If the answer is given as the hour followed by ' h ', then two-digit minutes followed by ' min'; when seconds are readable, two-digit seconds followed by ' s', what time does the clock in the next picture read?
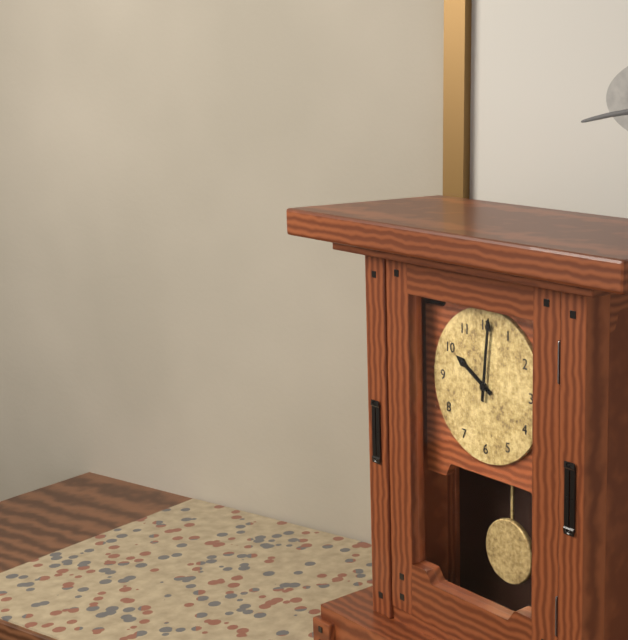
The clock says 10 h 01 min
